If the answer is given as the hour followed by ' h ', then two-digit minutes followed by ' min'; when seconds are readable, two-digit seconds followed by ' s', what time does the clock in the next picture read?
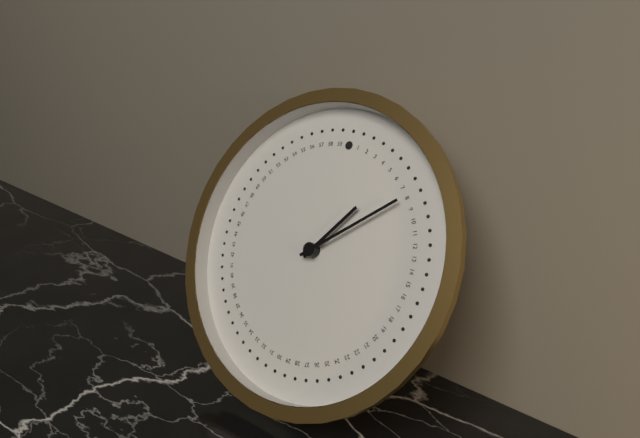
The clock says 1 h 08 min
